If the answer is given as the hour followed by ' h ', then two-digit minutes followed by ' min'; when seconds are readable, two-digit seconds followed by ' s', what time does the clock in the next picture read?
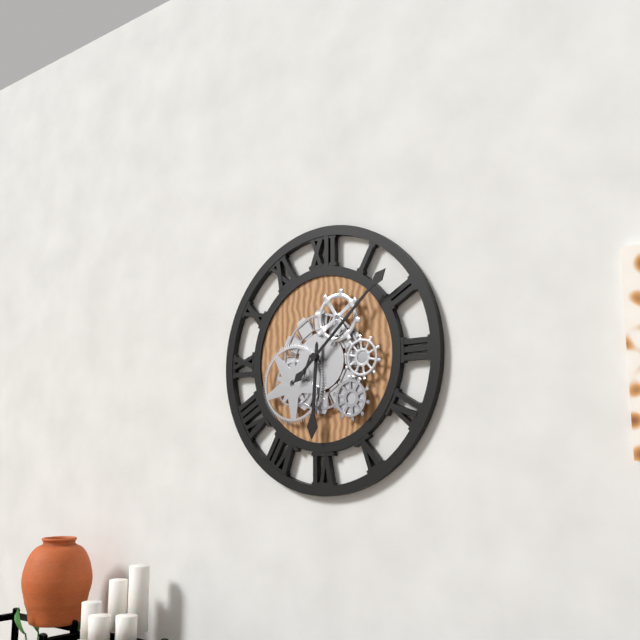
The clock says 6 h 08 min
